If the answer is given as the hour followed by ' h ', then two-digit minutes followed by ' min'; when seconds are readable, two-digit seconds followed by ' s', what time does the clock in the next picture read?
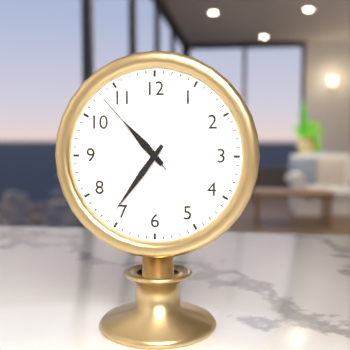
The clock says 10 h 36 min 53 s
